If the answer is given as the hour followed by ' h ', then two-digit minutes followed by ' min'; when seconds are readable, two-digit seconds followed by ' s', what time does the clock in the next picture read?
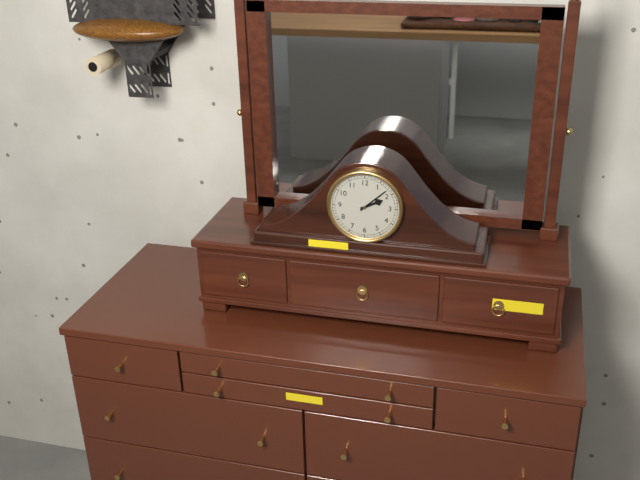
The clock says 2 h 08 min
